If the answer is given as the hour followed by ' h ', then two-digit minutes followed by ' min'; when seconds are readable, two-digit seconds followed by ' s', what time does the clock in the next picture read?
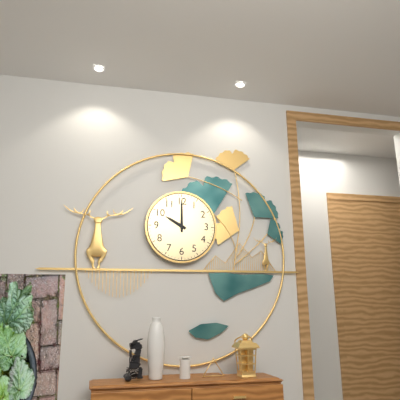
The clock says 10 h 00 min
